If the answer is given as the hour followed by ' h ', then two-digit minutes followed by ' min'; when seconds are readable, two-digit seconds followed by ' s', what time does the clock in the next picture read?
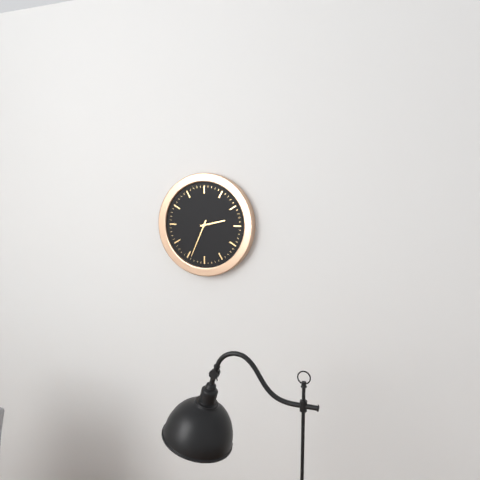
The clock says 2 h 34 min
